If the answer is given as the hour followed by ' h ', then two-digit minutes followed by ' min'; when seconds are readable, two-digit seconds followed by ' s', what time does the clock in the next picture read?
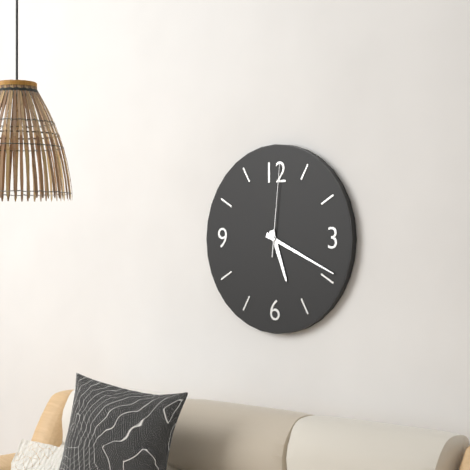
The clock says 5 h 19 min 01 s
